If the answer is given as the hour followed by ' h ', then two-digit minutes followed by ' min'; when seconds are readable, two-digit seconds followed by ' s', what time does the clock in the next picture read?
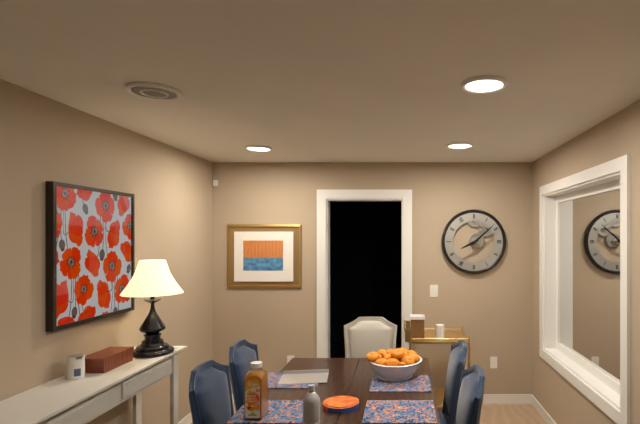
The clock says 8 h 08 min
